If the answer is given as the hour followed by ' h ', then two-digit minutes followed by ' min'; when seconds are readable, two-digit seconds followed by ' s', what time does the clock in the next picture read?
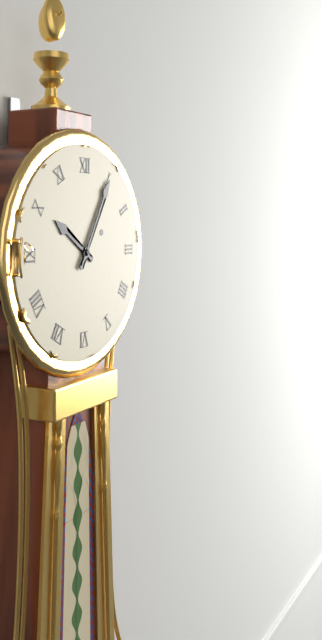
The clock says 10 h 05 min
